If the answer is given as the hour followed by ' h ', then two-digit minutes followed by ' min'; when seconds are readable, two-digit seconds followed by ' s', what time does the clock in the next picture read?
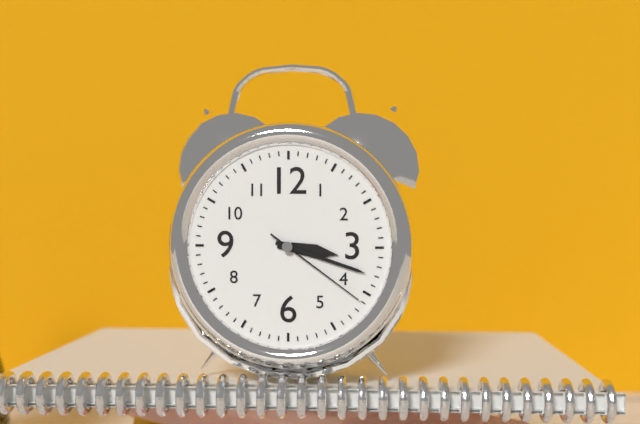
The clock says 3 h 18 min 21 s
